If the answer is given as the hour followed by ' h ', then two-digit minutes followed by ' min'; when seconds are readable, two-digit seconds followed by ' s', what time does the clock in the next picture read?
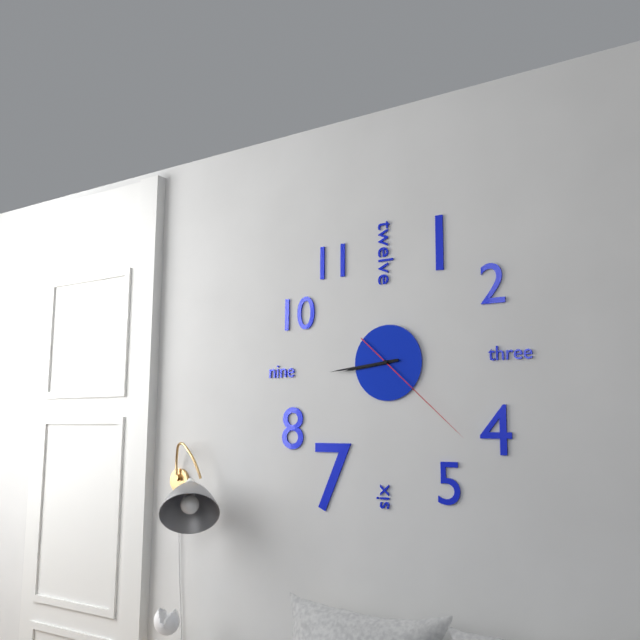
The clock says 8 h 44 min 22 s
